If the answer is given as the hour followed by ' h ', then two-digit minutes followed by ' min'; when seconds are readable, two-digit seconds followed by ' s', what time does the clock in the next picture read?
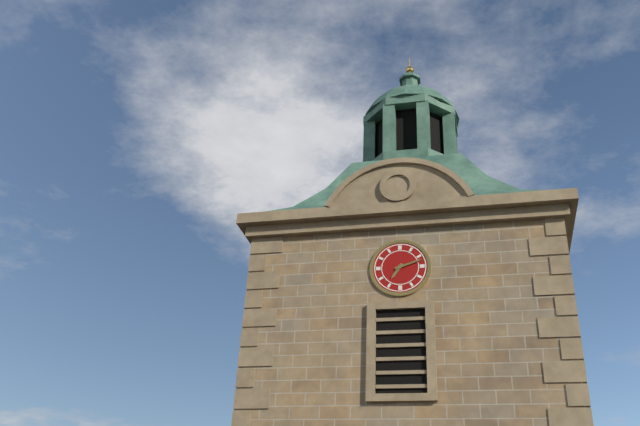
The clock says 7 h 12 min
